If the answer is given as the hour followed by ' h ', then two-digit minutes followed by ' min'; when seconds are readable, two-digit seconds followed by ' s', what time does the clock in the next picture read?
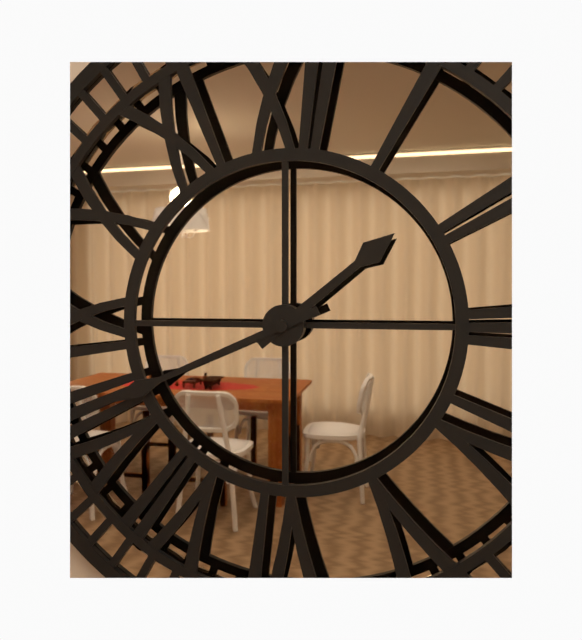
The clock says 1 h 41 min
